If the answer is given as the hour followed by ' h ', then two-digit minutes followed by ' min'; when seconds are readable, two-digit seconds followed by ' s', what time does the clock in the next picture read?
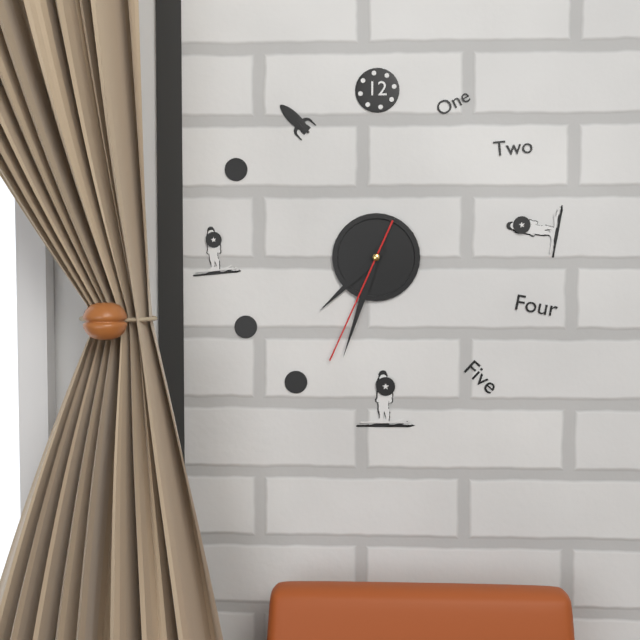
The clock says 7 h 33 min 34 s
